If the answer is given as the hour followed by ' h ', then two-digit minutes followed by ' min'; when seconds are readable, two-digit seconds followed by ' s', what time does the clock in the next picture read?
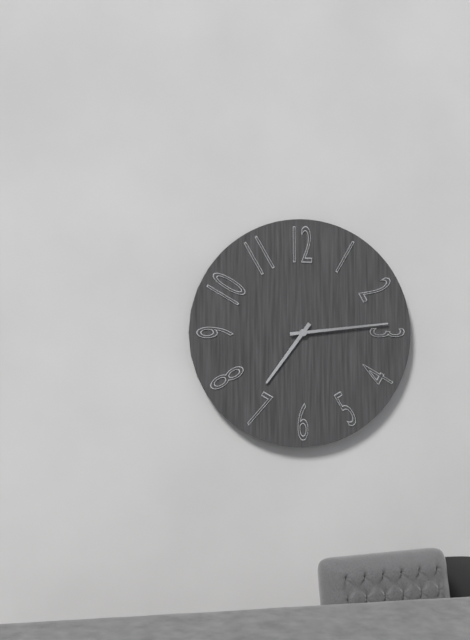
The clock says 7 h 14 min
